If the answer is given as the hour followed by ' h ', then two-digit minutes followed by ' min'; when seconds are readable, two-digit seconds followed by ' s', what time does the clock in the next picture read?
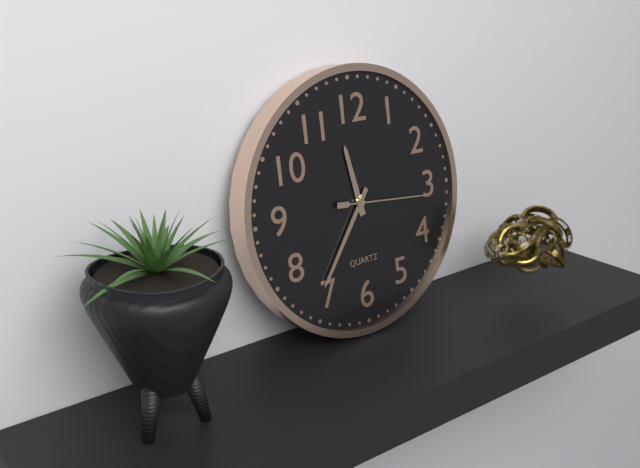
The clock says 11 h 36 min 16 s
